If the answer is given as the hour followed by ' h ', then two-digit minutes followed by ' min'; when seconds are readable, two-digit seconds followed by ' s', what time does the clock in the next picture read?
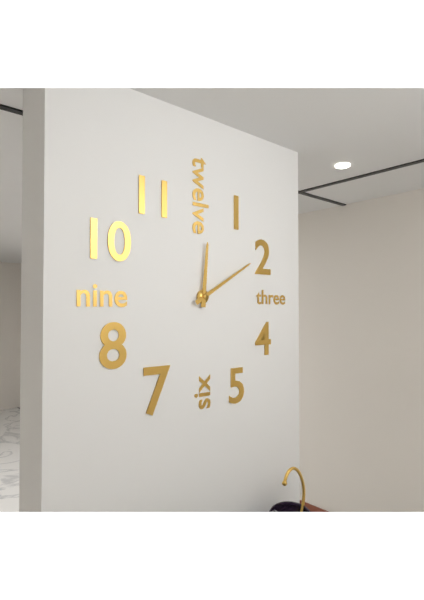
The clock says 12 h 10 min
